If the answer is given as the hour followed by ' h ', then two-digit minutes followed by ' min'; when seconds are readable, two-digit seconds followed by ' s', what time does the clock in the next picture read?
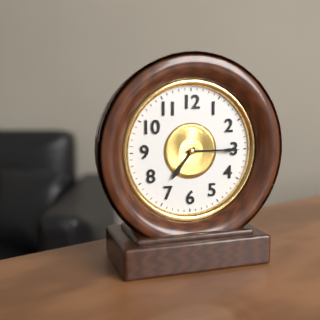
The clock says 7 h 15 min
